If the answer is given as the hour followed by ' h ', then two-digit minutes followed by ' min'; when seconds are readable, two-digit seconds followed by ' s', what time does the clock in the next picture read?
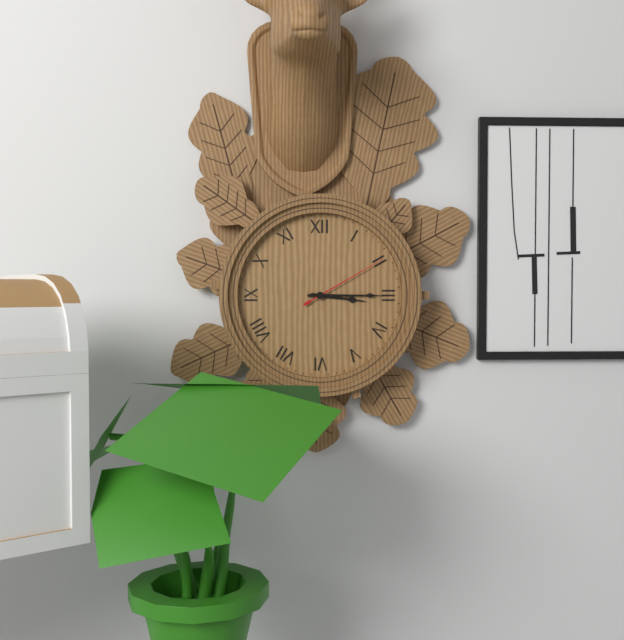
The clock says 3 h 15 min 10 s
